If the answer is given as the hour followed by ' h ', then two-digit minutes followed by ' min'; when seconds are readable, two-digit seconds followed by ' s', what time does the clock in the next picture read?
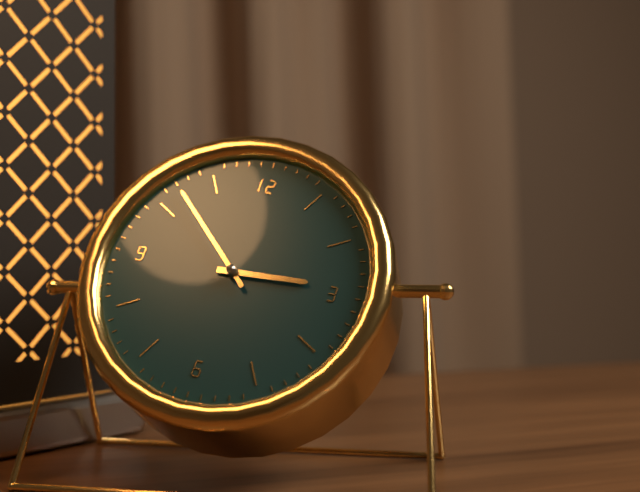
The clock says 2 h 52 min
